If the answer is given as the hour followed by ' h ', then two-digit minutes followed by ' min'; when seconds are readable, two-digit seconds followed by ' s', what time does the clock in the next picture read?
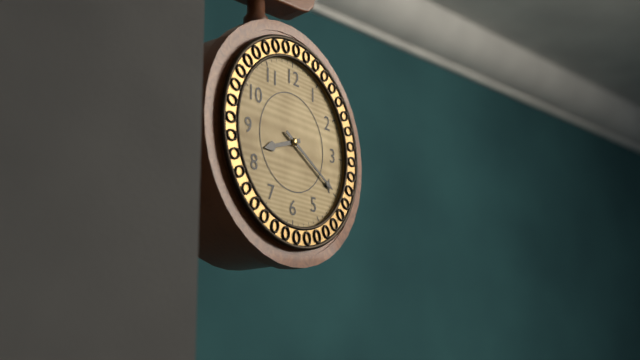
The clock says 8 h 20 min
